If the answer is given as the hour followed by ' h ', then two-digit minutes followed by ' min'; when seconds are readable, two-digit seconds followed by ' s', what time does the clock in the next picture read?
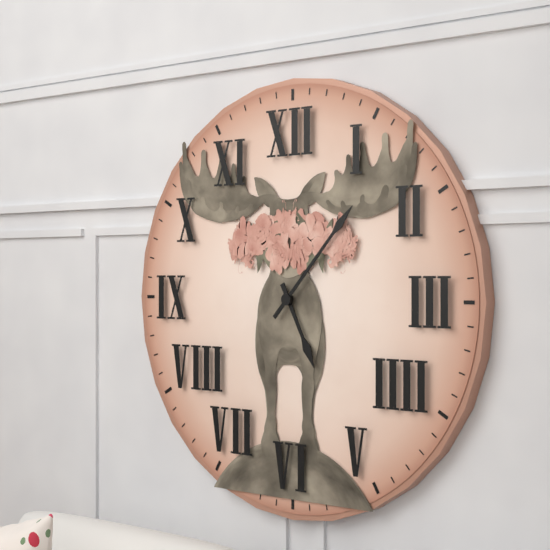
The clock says 5 h 07 min
